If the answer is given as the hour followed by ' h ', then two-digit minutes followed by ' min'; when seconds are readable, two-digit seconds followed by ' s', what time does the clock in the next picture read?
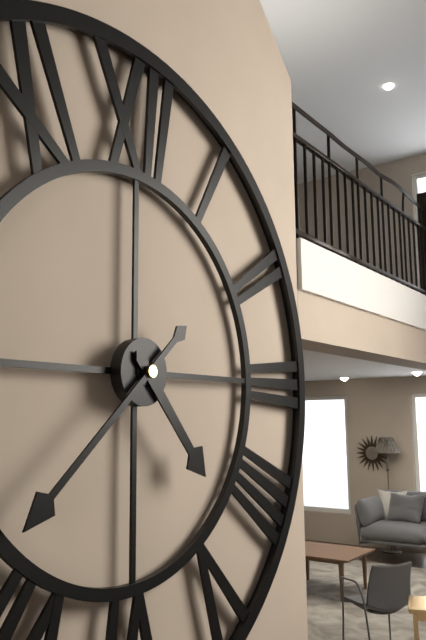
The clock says 4 h 38 min
